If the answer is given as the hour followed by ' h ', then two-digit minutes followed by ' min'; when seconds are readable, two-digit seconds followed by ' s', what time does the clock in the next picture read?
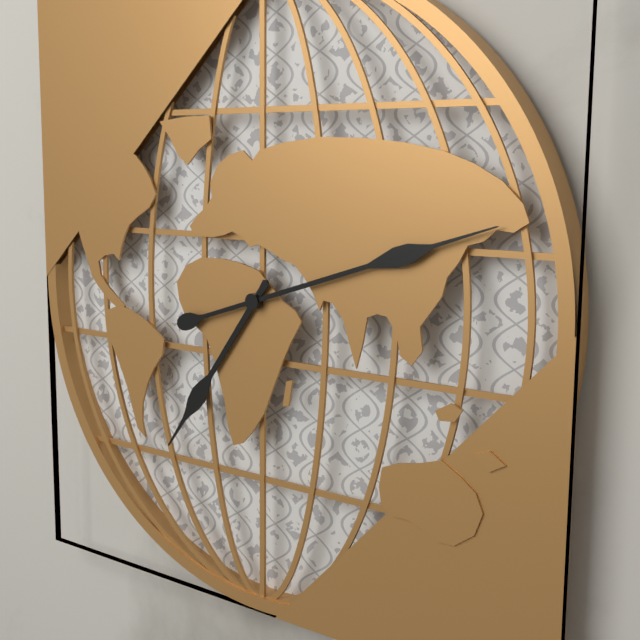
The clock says 7 h 12 min
